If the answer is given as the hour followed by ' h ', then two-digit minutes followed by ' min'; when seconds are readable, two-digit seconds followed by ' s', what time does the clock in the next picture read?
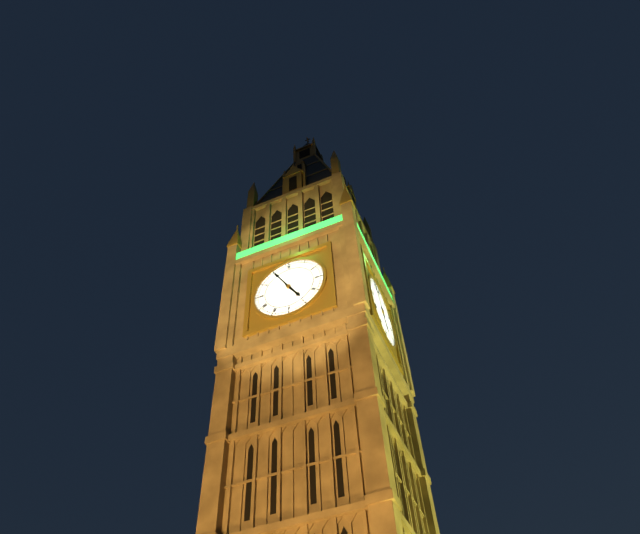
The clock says 4 h 55 min
